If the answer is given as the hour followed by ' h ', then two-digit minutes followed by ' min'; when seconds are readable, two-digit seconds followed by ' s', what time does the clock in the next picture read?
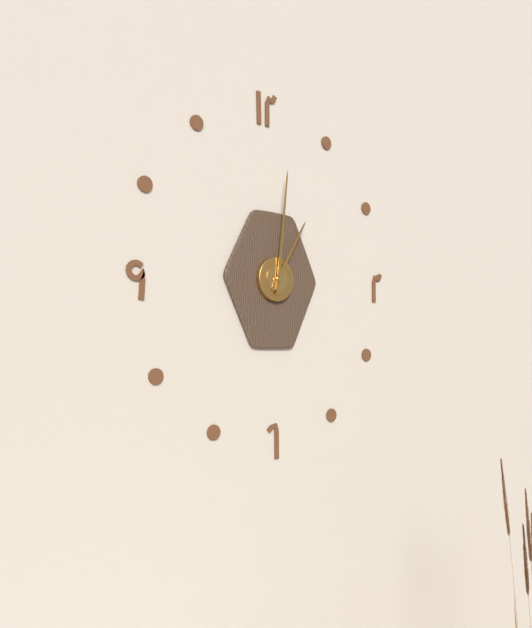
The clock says 1 h 01 min
